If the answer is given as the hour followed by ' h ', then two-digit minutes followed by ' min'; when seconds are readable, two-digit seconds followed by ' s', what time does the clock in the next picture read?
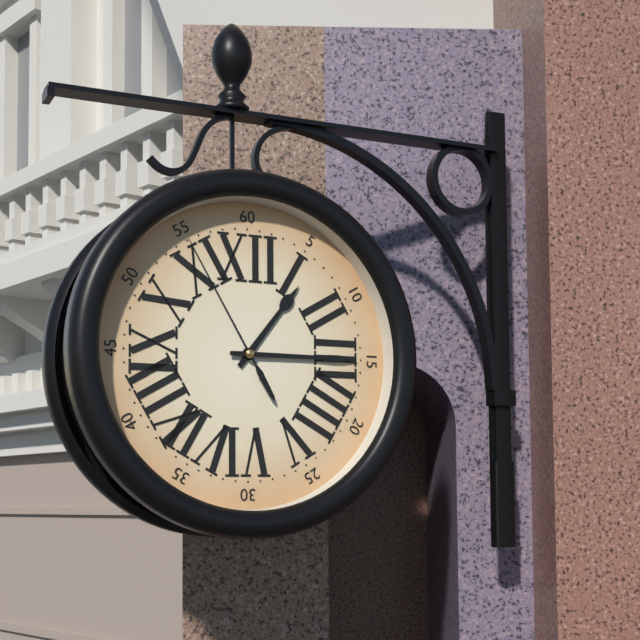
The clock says 1 h 15 min 55 s
